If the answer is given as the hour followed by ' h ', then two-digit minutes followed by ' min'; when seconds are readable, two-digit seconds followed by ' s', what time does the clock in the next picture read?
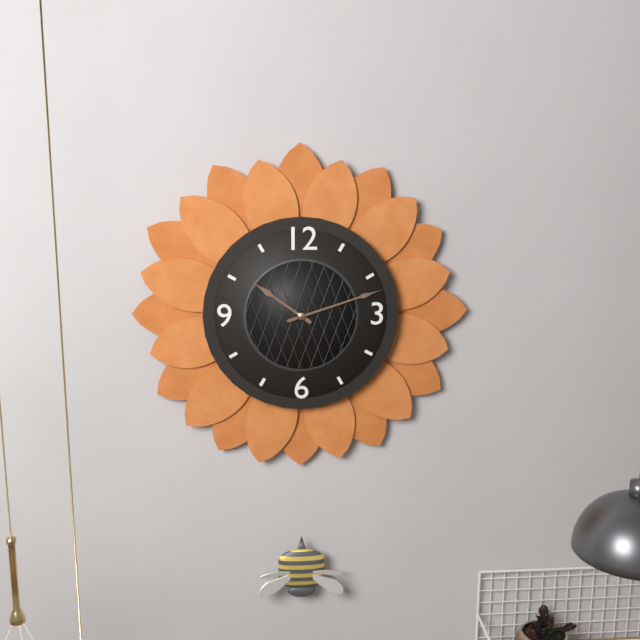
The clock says 10 h 12 min
